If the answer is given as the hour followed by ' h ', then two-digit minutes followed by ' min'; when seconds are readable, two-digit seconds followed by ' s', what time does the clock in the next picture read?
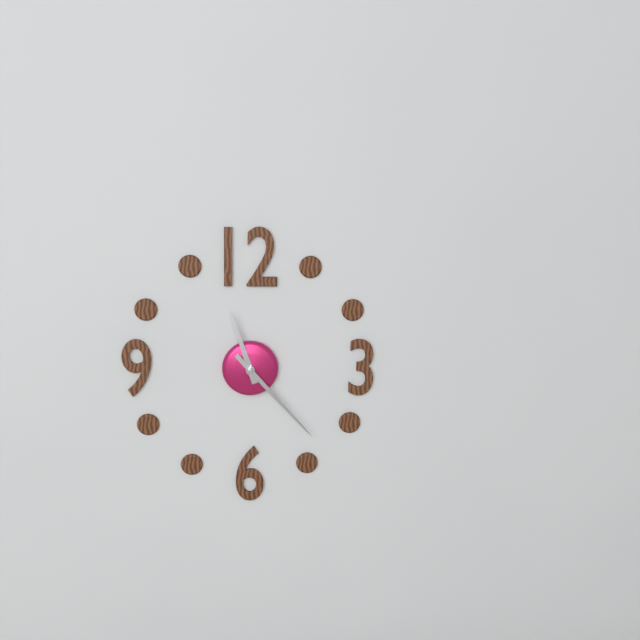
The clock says 11 h 23 min
